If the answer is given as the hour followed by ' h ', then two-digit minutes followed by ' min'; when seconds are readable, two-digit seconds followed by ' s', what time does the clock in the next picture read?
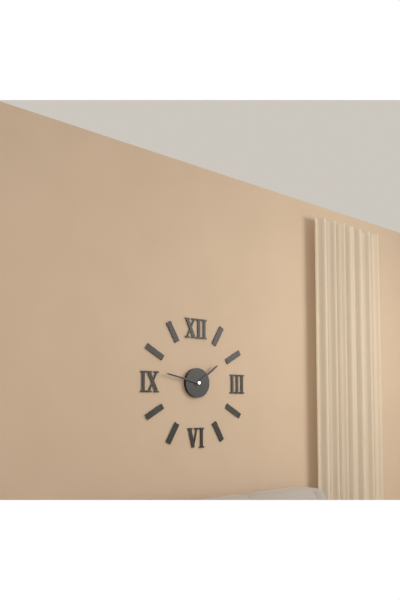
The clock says 1 h 47 min
